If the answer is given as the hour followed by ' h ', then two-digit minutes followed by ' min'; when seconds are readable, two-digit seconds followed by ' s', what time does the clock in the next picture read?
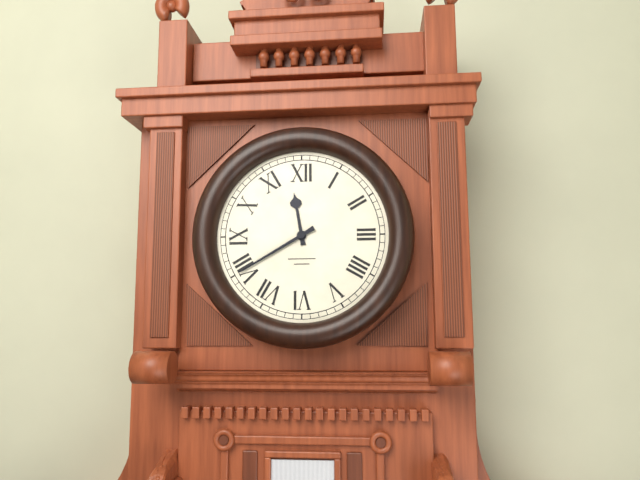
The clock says 11 h 40 min
